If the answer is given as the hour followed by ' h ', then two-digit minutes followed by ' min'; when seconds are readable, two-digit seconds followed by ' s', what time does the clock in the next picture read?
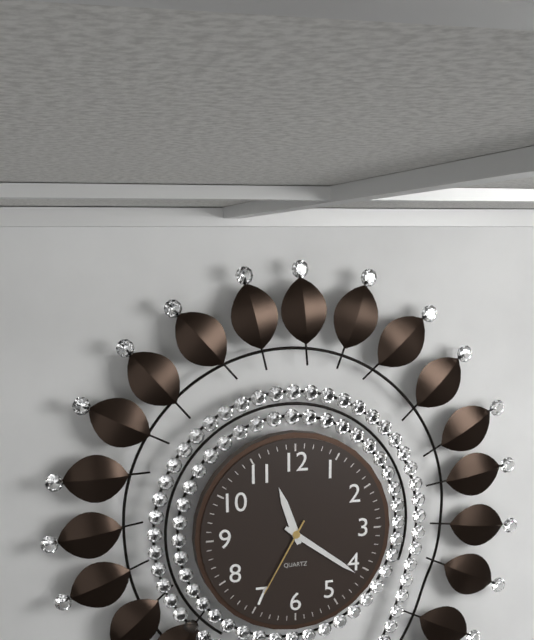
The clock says 11 h 21 min 35 s
